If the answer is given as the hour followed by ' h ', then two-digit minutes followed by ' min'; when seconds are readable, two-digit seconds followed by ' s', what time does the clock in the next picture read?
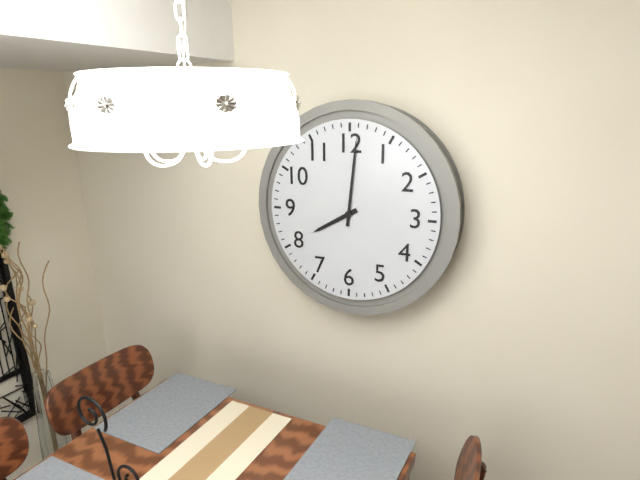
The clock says 8 h 01 min
